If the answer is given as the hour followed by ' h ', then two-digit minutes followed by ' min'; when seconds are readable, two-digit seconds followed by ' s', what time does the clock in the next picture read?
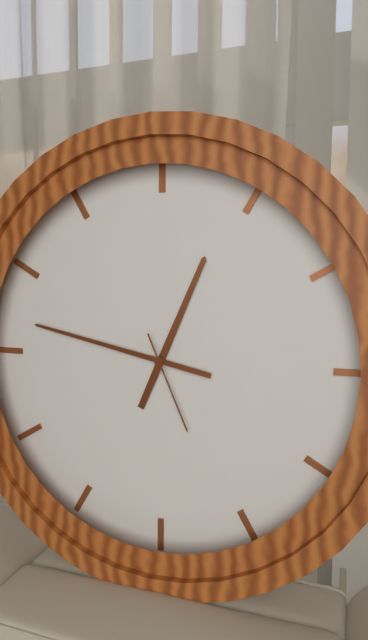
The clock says 12 h 47 min 26 s
